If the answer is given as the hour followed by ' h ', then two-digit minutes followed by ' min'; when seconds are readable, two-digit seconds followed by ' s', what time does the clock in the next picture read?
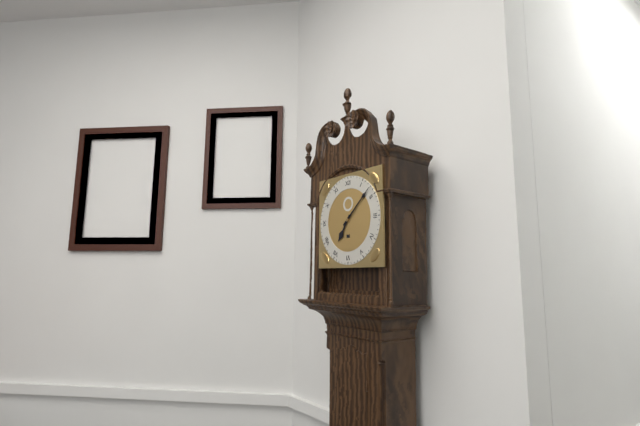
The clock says 7 h 08 min
